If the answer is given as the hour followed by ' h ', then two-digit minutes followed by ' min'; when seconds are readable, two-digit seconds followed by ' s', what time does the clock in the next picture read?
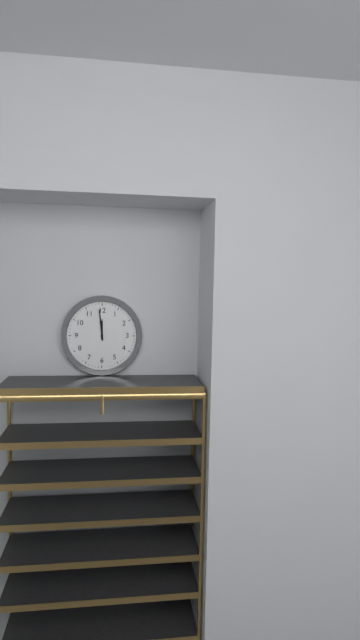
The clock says 11 h 59 min
